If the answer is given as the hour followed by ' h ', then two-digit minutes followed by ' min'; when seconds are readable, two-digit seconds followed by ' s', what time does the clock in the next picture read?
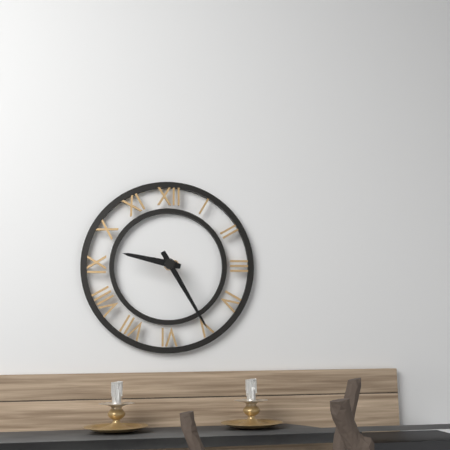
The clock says 9 h 25 min
